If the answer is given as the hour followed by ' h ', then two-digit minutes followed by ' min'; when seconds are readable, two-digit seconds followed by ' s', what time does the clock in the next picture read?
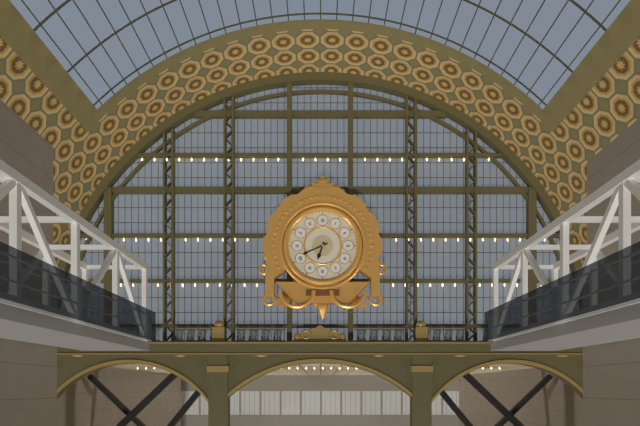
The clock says 6 h 41 min
